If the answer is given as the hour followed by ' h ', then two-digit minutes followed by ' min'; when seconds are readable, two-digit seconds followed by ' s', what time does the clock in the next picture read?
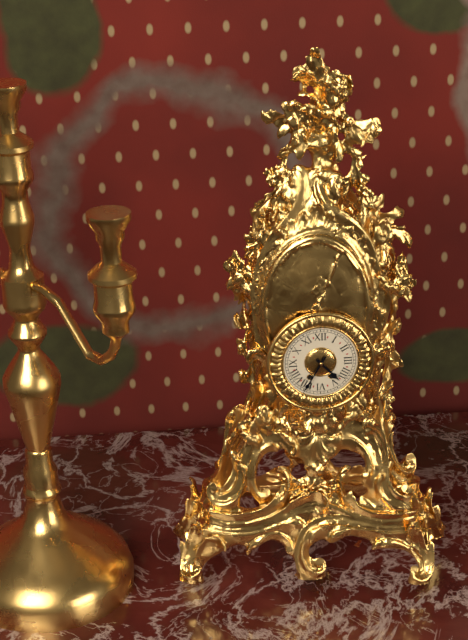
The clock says 4 h 35 min
